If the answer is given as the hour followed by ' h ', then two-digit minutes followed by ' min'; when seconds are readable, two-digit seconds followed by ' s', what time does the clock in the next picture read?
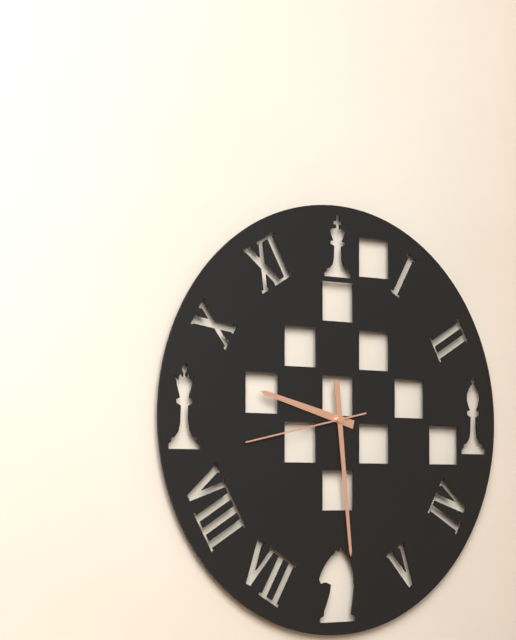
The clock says 9 h 29 min 43 s
